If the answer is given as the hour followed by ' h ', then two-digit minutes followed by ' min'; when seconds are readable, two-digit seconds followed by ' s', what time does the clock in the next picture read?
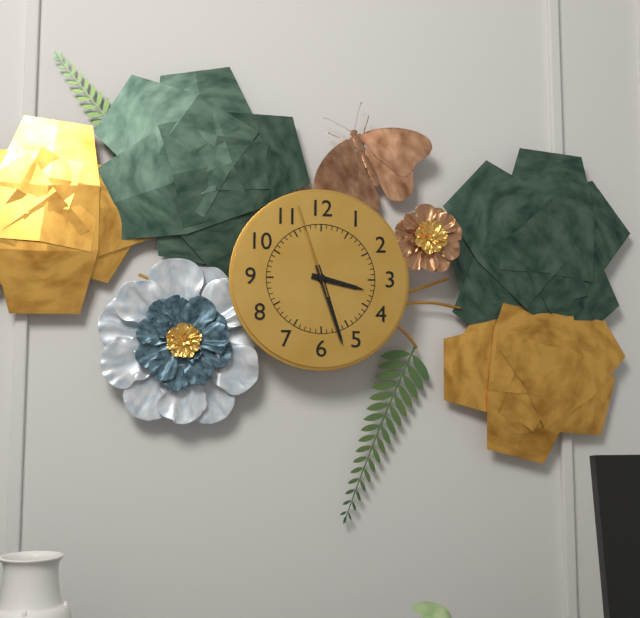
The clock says 3 h 27 min 57 s
